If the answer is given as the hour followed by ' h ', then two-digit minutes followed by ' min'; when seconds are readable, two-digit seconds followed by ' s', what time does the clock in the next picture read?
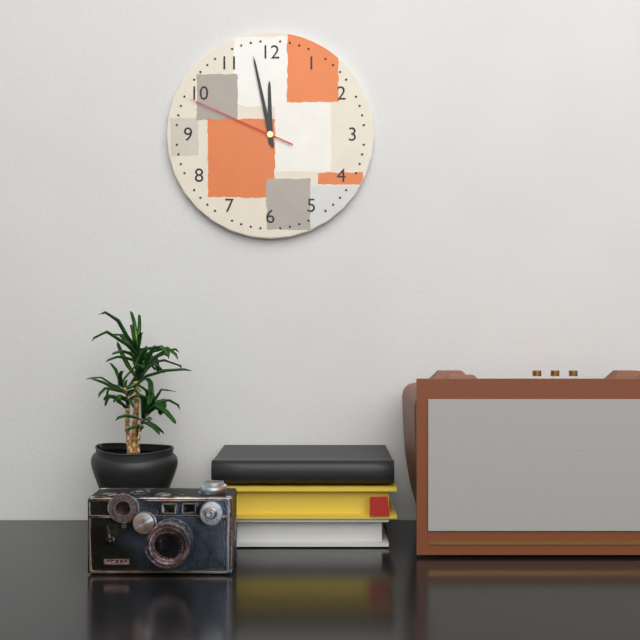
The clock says 11 h 58 min 49 s
